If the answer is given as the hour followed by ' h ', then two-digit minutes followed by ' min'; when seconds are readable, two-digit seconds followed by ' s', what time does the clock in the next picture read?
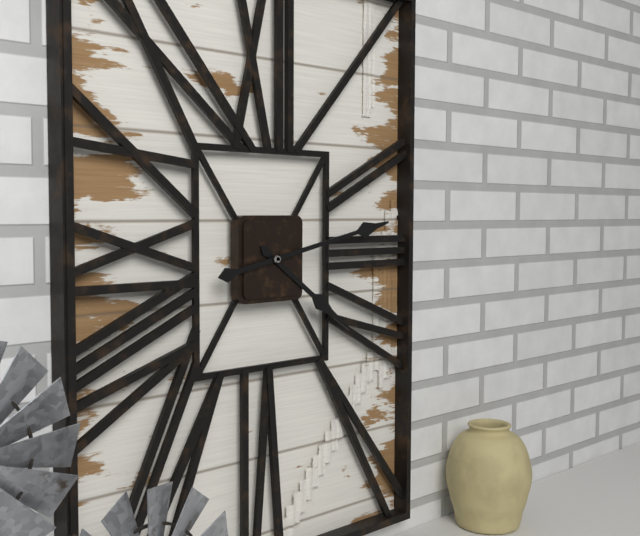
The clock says 4 h 13 min
